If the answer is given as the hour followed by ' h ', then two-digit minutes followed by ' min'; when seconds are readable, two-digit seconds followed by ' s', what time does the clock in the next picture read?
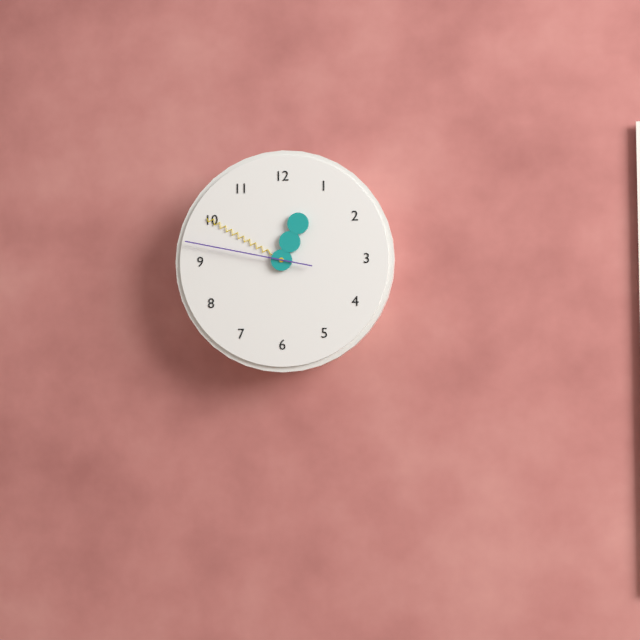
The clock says 12 h 50 min 47 s
